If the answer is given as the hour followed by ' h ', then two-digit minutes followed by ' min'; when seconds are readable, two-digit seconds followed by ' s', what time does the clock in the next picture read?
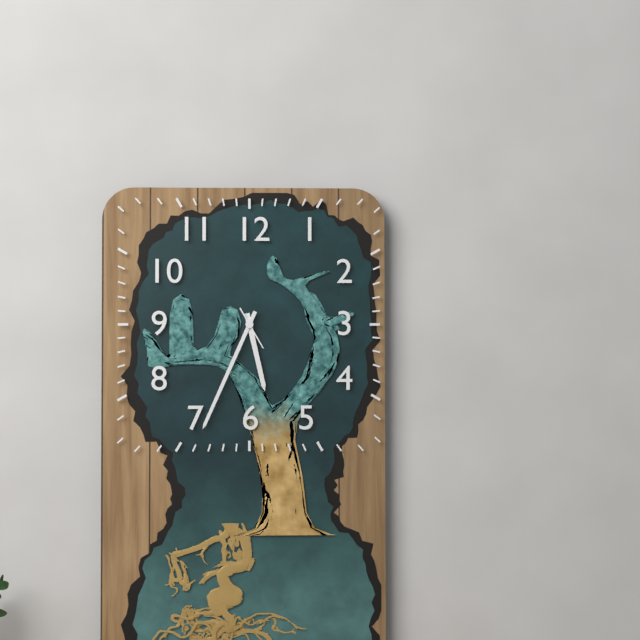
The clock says 5 h 34 min
